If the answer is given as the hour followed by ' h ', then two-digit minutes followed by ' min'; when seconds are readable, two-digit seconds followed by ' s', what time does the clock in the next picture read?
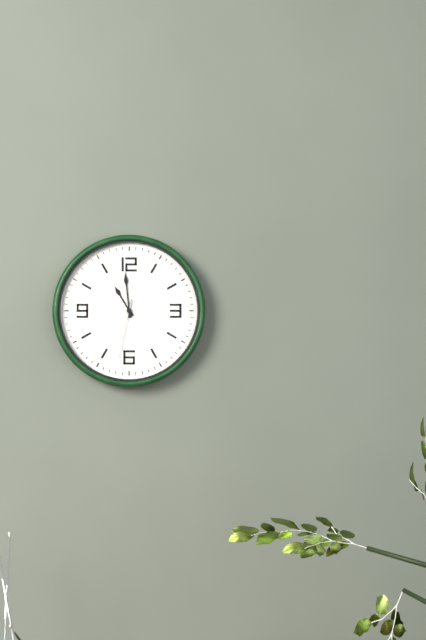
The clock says 10 h 59 min 32 s
